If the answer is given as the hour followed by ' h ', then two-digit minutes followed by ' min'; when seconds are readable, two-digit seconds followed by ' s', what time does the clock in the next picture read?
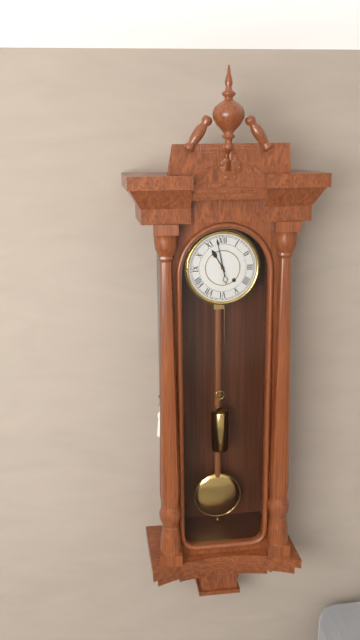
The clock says 10 h 58 min
